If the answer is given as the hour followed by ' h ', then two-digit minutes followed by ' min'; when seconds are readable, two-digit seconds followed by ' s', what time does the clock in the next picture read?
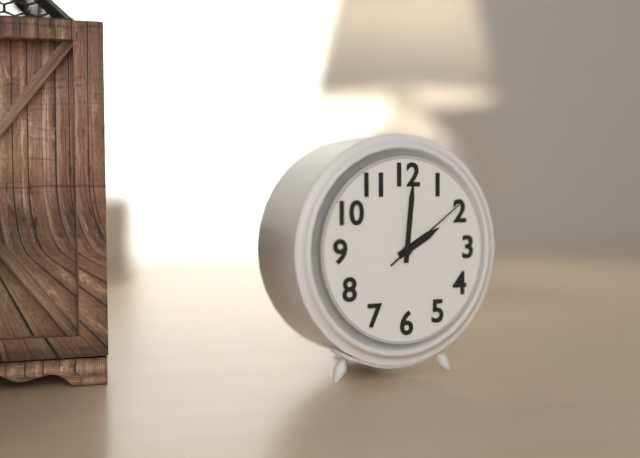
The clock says 2 h 01 min 09 s
